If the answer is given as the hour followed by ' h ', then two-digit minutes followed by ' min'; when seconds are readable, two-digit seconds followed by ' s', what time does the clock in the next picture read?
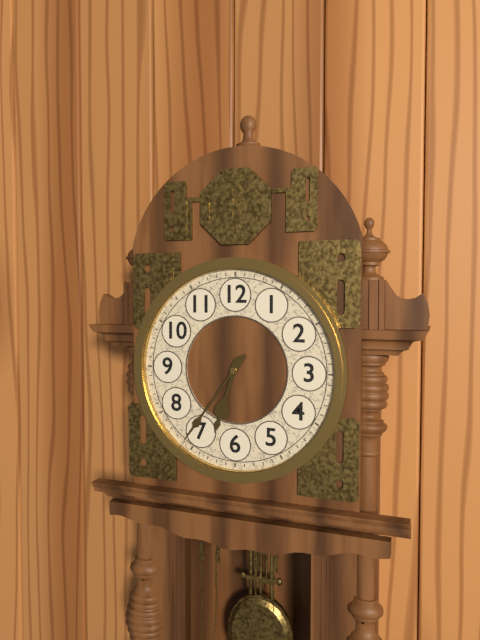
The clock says 6 h 36 min
